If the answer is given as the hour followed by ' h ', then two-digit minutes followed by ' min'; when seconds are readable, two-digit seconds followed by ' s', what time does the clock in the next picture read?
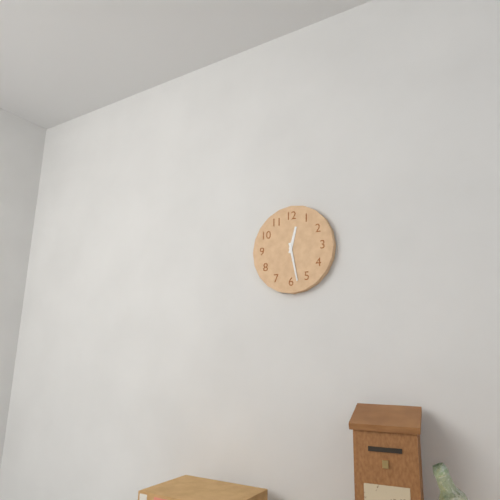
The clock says 12 h 28 min
